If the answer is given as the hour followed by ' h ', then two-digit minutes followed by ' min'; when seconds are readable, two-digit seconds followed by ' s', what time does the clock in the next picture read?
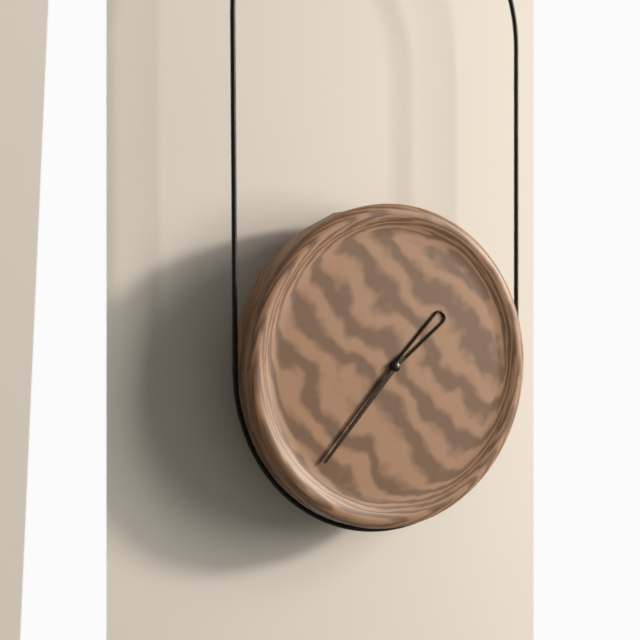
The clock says 1 h 37 min
